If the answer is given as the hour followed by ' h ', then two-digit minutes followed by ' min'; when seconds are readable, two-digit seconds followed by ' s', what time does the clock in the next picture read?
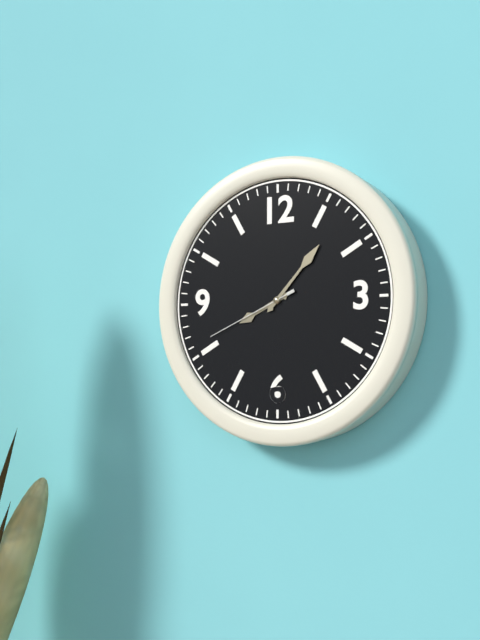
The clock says 8 h 07 min 41 s
